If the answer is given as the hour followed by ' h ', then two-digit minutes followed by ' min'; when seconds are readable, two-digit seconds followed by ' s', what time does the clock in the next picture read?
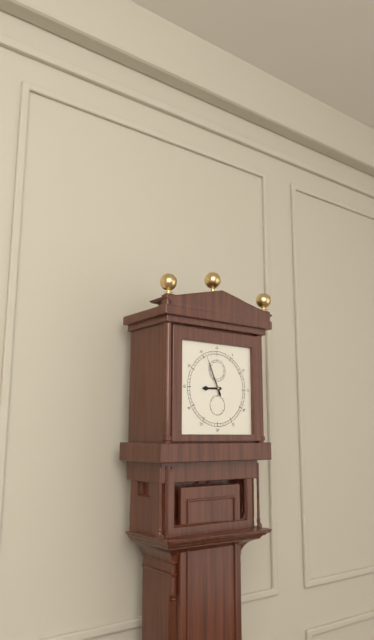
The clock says 8 h 56 min
